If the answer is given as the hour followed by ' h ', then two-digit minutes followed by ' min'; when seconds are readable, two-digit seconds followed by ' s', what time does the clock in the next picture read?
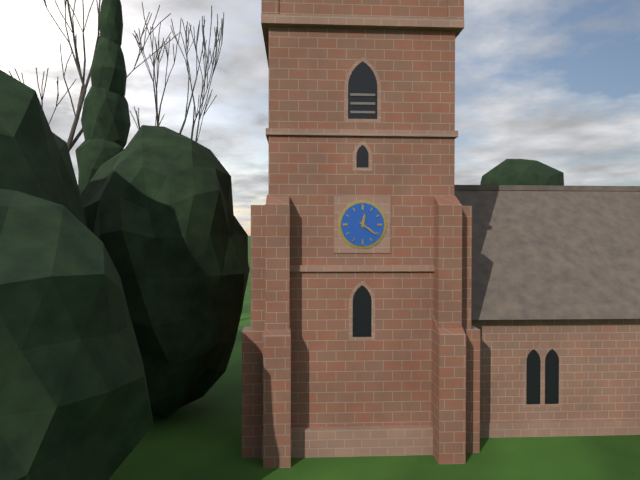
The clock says 12 h 21 min
